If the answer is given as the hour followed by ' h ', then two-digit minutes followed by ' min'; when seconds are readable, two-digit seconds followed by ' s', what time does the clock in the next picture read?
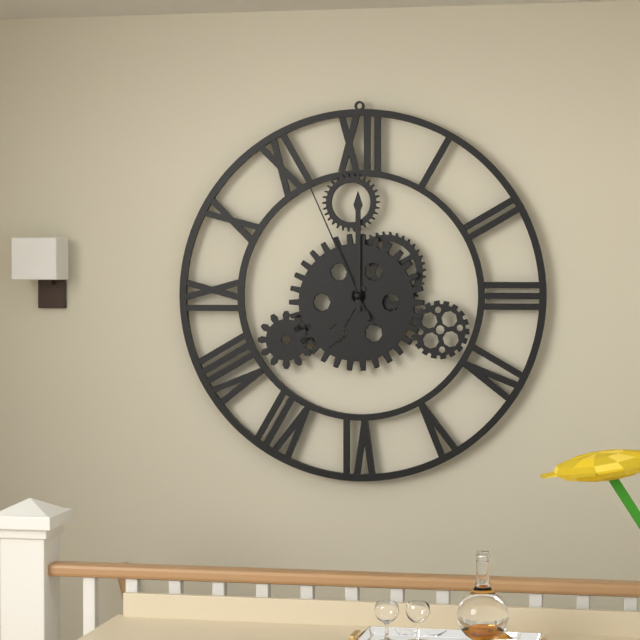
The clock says 7 h 00 min 56 s
